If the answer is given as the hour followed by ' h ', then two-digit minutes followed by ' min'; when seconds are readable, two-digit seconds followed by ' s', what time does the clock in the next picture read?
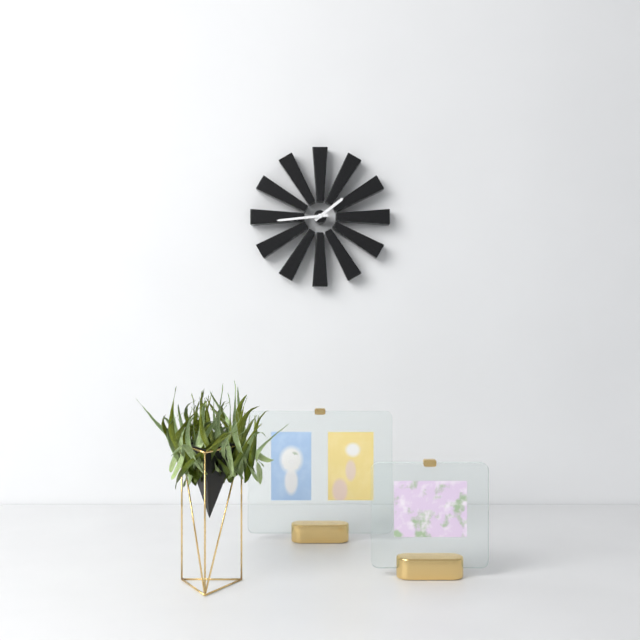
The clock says 1 h 44 min
